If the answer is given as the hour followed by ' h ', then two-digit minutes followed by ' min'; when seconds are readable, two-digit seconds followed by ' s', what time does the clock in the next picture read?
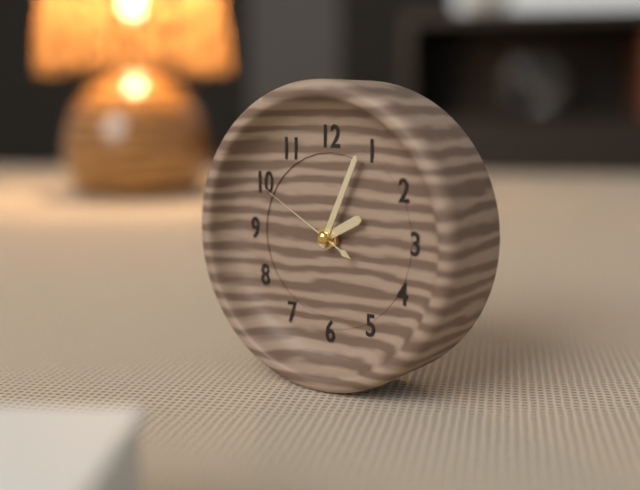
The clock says 2 h 04 min 50 s
